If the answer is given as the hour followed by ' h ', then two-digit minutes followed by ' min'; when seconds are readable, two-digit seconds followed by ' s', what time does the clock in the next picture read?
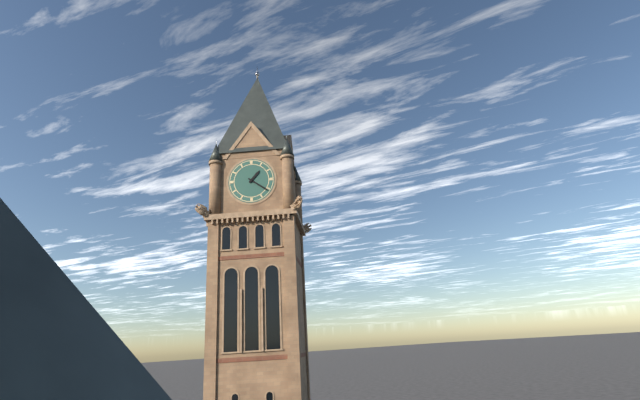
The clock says 1 h 21 min
